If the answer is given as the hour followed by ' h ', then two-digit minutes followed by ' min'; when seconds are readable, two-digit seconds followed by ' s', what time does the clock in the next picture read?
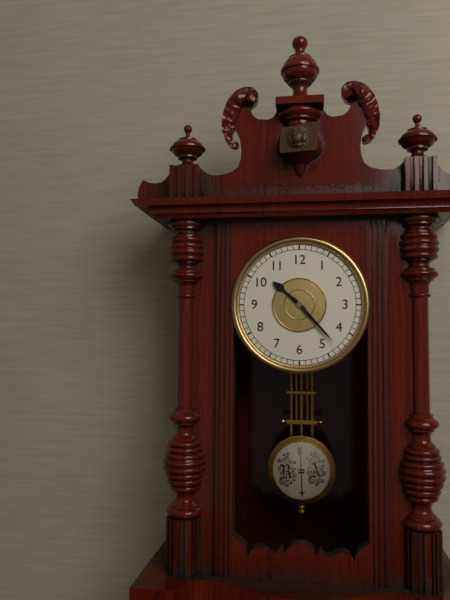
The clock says 10 h 23 min
